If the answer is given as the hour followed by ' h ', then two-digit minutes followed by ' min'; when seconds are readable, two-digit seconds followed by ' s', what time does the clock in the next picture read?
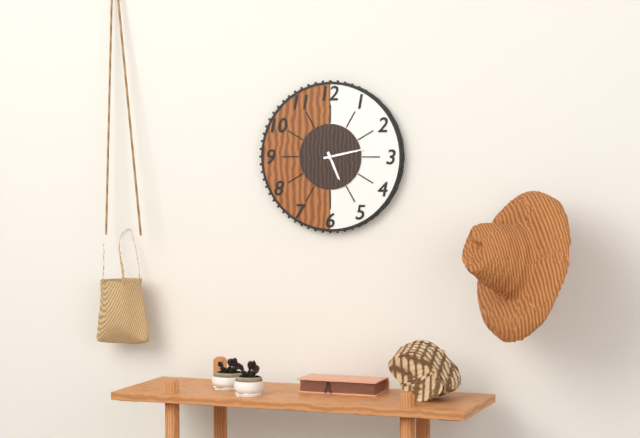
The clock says 5 h 13 min
